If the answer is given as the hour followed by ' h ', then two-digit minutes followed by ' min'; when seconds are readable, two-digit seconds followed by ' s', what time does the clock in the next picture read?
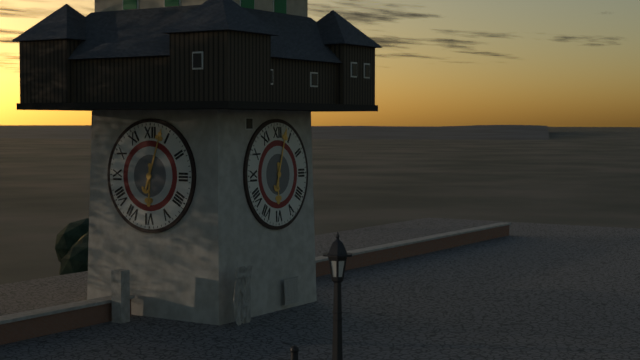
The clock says 6 h 03 min
